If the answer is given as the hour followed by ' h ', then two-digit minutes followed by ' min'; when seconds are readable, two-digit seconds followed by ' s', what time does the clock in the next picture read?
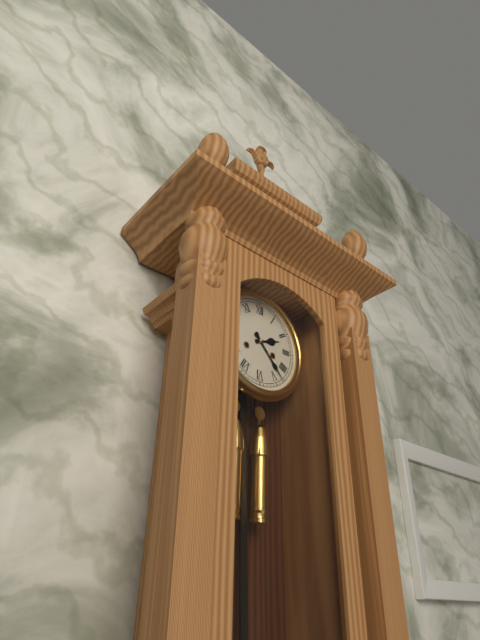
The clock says 2 h 23 min
